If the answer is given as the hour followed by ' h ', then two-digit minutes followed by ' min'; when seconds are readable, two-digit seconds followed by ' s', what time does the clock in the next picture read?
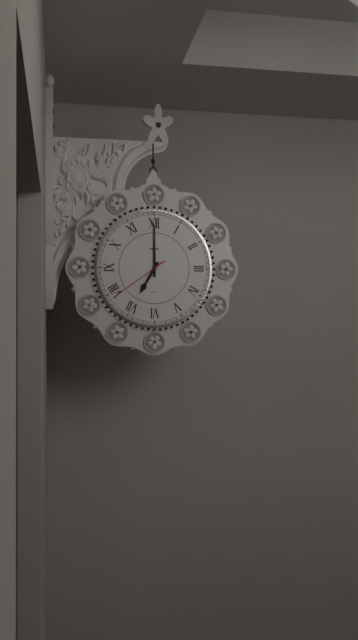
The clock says 7 h 00 min 39 s
